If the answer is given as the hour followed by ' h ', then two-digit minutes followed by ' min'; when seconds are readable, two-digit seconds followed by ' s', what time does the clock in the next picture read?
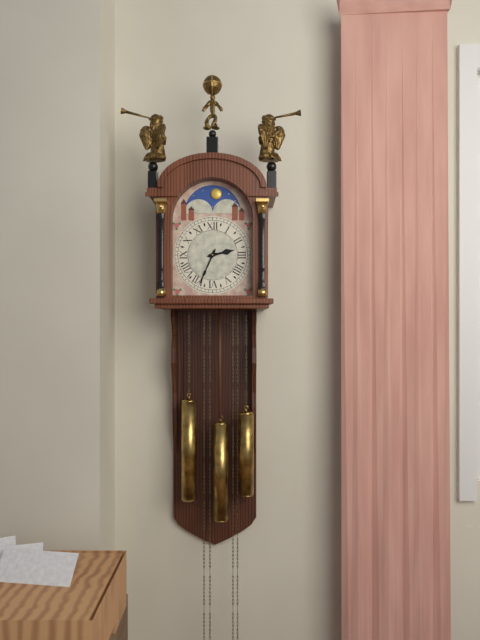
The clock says 2 h 34 min
